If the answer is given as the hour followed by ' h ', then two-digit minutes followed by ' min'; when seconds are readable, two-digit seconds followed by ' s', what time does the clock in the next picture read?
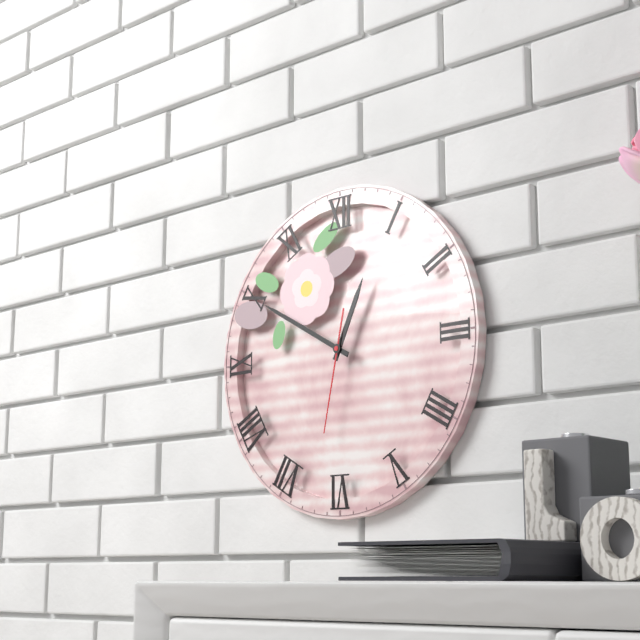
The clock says 12 h 50 min 32 s
